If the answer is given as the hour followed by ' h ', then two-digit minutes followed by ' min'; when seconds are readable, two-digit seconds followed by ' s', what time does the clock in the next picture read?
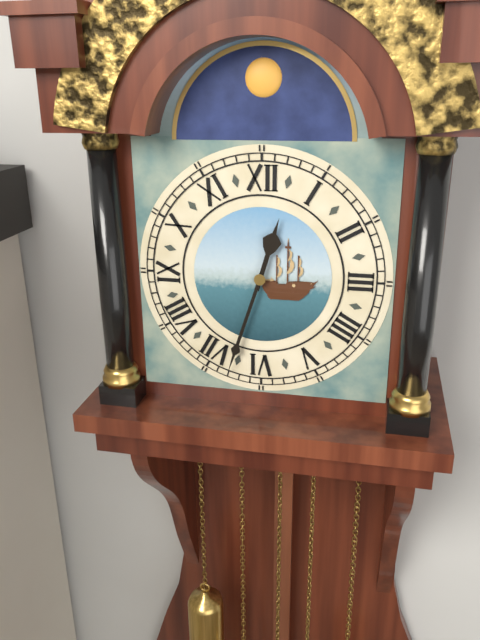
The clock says 12 h 33 min
